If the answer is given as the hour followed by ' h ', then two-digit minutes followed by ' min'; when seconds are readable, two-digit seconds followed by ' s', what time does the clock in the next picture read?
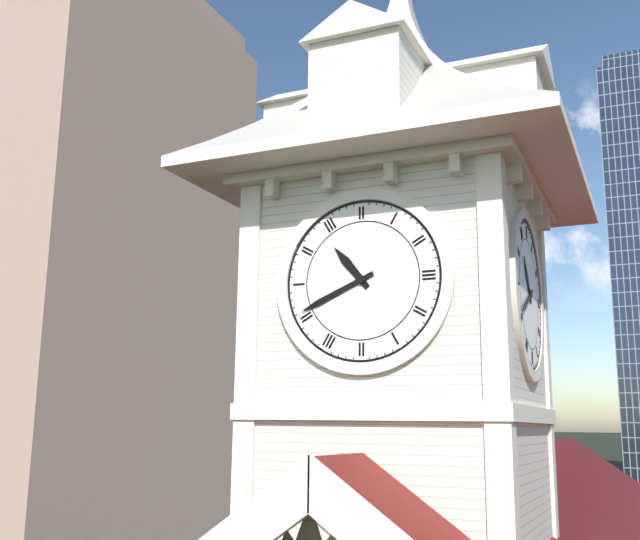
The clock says 10 h 41 min
